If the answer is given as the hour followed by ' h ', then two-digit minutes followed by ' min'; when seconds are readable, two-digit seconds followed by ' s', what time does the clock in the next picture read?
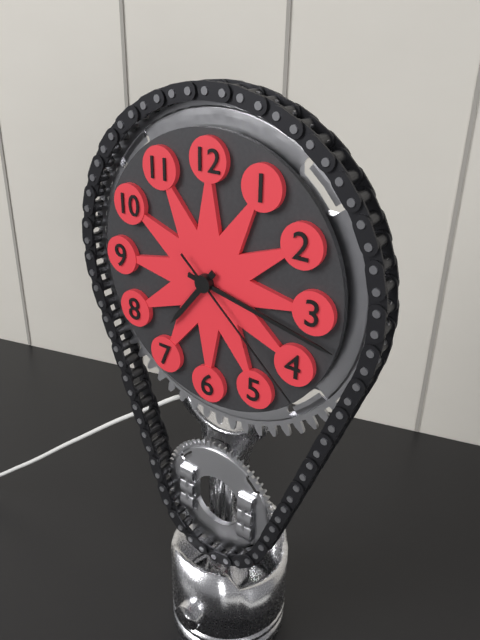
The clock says 7 h 17 min 22 s
